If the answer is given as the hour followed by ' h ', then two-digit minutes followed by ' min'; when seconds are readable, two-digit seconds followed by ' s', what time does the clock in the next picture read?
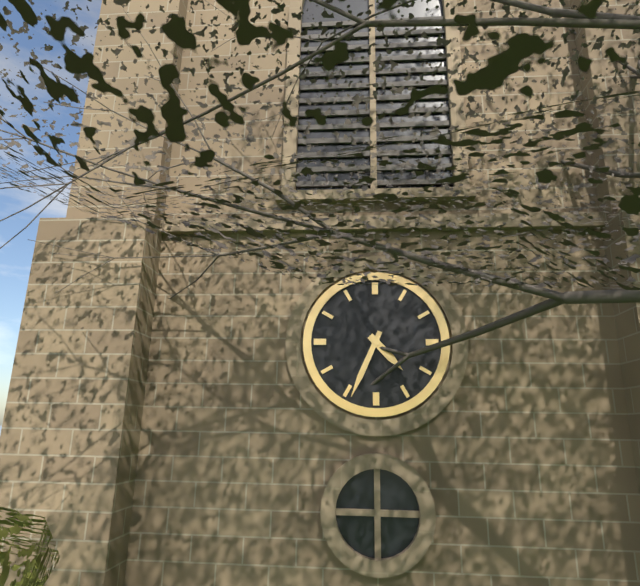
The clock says 4 h 34 min
